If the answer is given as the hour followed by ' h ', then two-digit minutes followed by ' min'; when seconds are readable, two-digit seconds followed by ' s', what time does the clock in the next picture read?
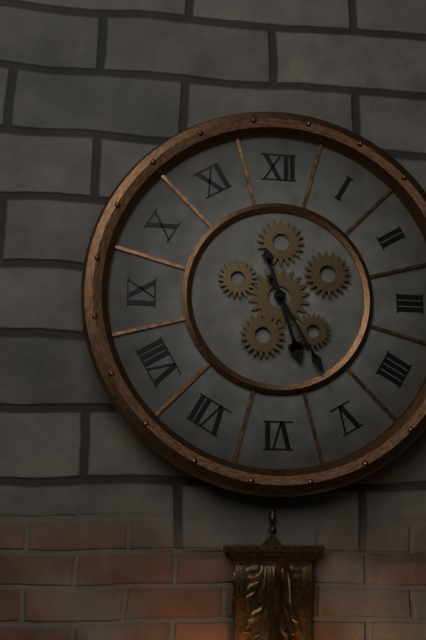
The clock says 5 h 25 min
